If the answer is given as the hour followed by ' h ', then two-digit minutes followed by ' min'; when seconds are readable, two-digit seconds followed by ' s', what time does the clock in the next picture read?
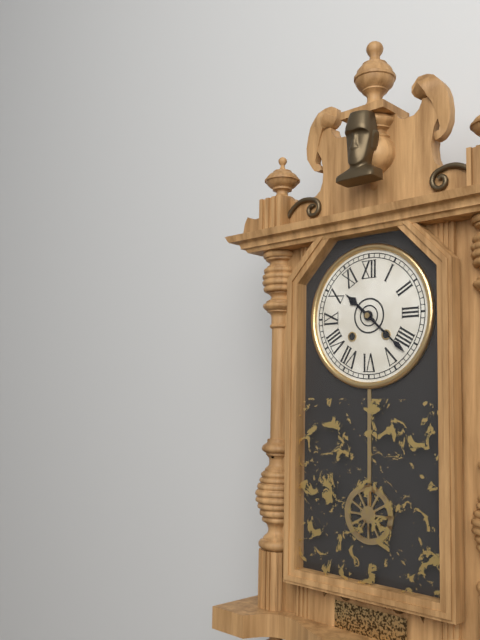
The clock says 10 h 22 min
